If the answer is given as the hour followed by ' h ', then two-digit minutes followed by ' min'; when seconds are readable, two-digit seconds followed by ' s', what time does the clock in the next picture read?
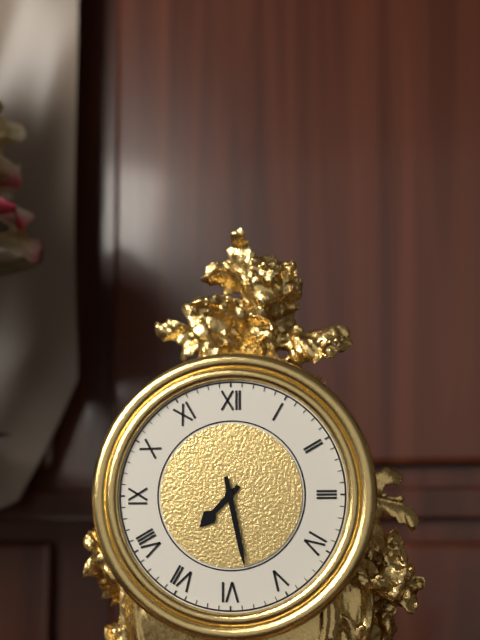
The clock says 7 h 28 min
